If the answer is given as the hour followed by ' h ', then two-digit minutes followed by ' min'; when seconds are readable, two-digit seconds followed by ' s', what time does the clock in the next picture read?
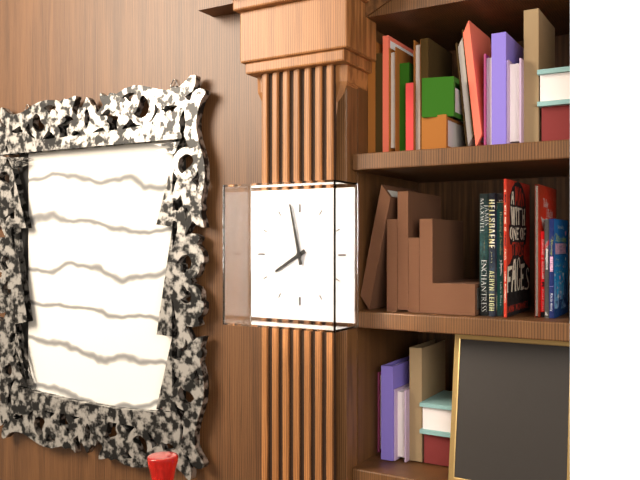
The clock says 7 h 58 min
